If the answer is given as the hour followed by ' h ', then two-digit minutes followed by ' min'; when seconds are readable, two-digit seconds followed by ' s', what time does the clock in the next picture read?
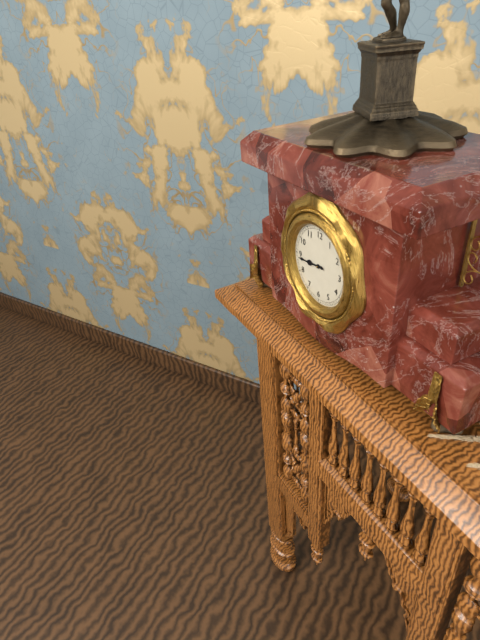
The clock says 8 h 44 min
